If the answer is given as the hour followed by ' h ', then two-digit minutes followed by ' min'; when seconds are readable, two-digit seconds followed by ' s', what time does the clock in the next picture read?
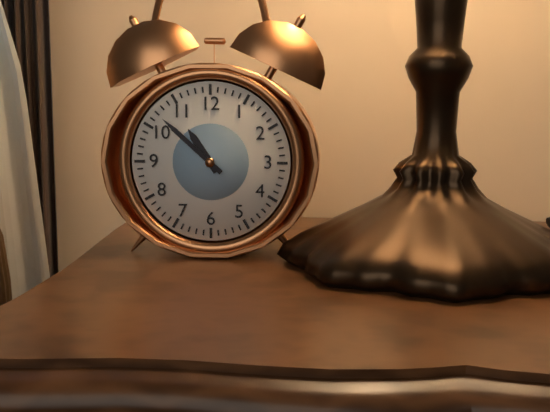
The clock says 10 h 52 min
